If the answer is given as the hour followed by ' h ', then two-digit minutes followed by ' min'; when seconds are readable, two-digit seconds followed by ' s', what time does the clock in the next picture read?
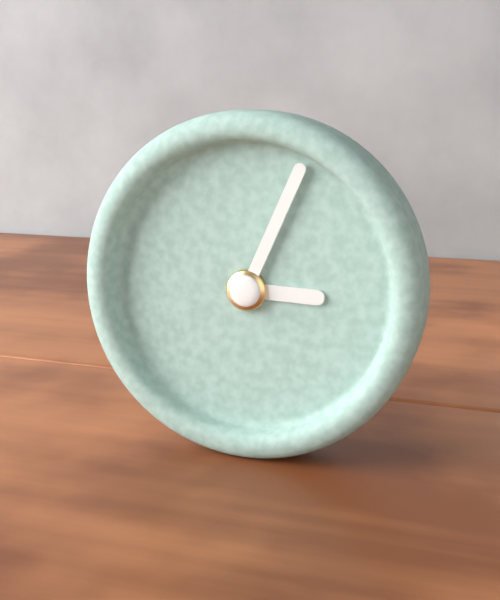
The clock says 3 h 04 min
